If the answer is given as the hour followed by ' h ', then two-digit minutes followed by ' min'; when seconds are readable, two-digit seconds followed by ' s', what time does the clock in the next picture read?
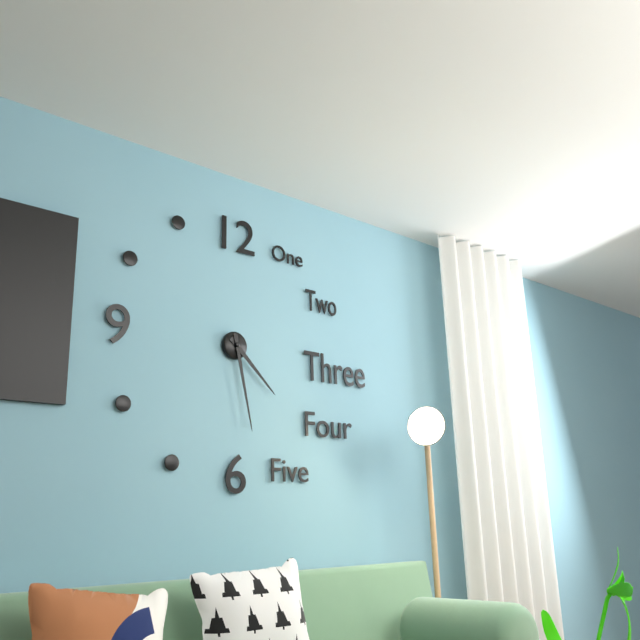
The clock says 4 h 28 min
